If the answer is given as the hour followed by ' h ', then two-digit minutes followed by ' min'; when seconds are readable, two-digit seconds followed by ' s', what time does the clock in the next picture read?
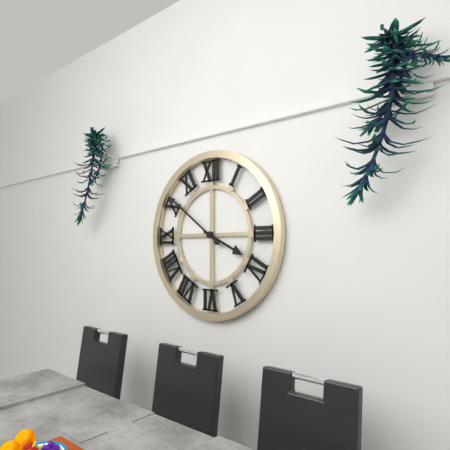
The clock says 3 h 51 min
